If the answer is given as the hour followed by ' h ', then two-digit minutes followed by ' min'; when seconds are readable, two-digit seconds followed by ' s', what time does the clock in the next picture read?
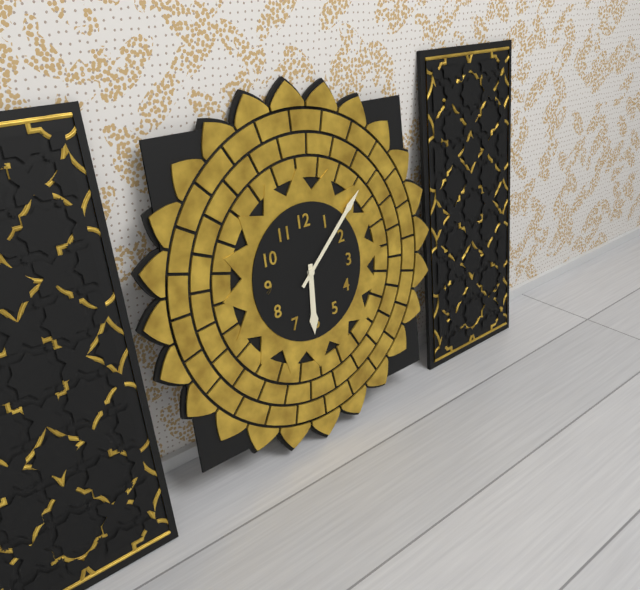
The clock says 6 h 08 min
